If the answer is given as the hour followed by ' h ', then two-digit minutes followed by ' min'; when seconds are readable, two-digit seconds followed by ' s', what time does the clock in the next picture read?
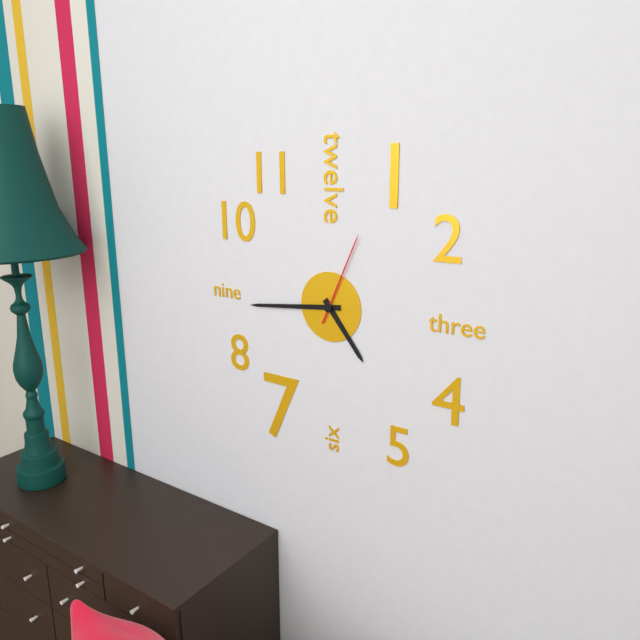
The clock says 4 h 44 min 04 s
